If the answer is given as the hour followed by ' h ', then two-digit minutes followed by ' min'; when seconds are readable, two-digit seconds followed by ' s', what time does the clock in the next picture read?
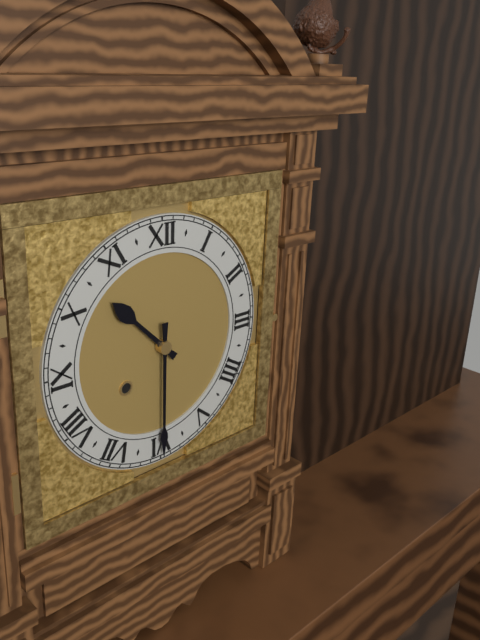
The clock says 10 h 30 min
